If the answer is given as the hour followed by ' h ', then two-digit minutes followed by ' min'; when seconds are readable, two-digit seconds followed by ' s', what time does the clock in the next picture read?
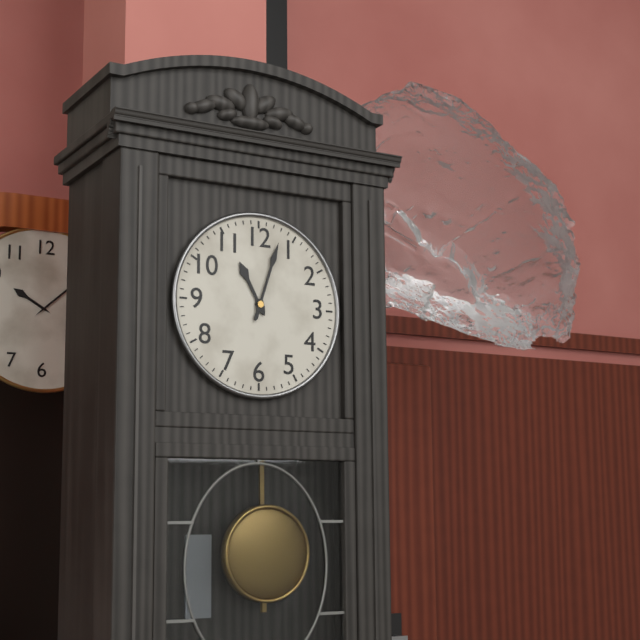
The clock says 11 h 03 min
